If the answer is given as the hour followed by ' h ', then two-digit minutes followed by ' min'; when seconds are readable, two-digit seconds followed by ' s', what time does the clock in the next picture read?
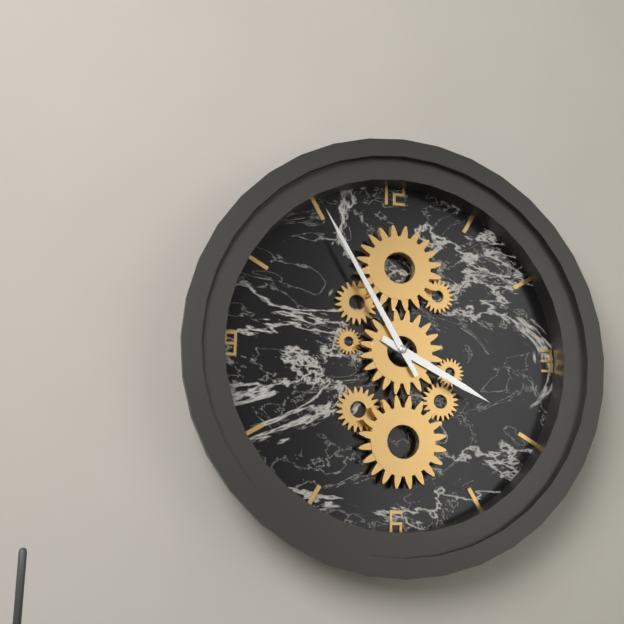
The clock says 3 h 55 min
